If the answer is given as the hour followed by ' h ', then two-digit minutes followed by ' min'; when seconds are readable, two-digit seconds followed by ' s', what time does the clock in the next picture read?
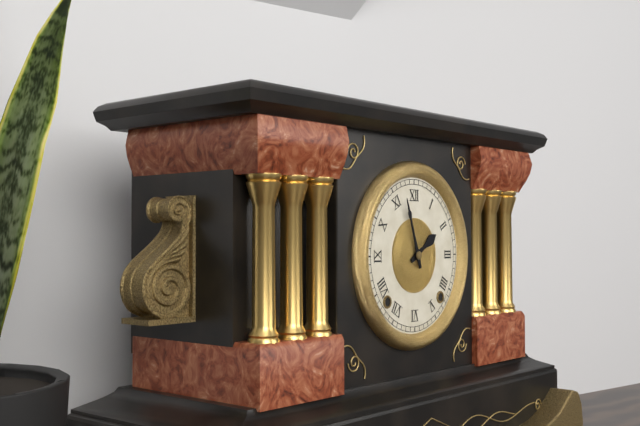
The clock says 1 h 57 min
